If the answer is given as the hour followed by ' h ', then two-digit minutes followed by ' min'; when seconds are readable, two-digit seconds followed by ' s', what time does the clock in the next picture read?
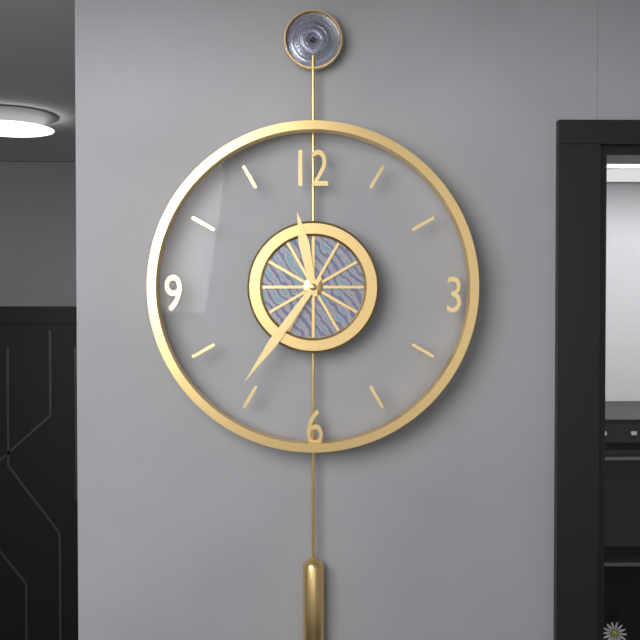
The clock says 11 h 36 min
